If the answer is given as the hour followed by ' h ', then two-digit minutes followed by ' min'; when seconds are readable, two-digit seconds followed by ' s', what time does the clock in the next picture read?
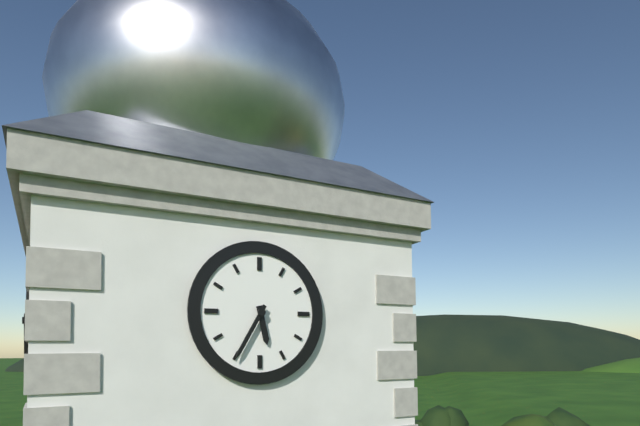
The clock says 5 h 35 min
